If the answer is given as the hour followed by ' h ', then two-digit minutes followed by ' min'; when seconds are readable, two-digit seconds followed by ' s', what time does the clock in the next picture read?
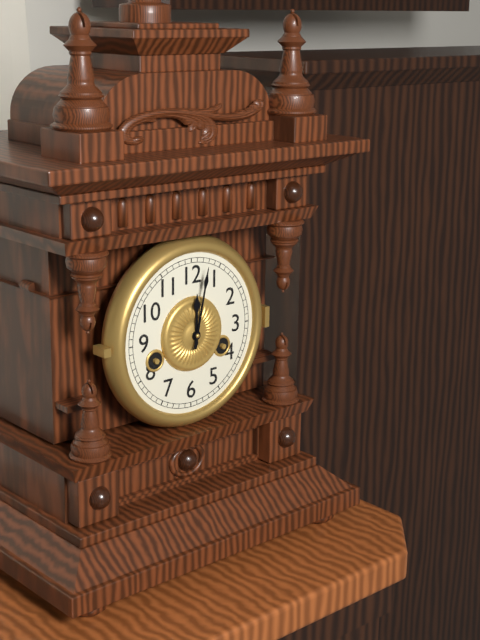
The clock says 12 h 02 min
